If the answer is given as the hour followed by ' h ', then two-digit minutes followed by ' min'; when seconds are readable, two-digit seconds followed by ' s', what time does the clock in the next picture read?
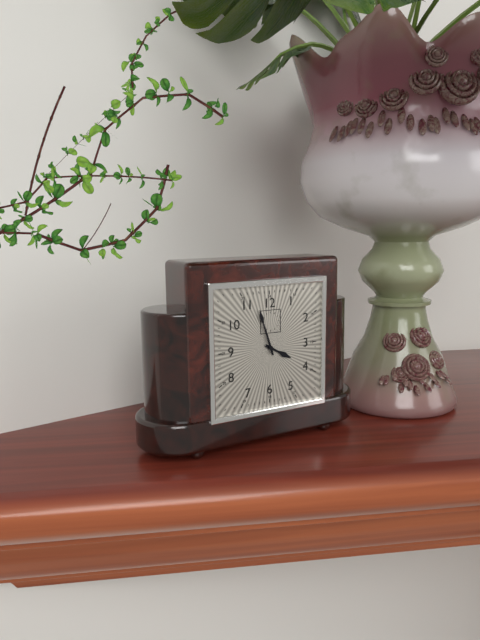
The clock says 3 h 57 min
